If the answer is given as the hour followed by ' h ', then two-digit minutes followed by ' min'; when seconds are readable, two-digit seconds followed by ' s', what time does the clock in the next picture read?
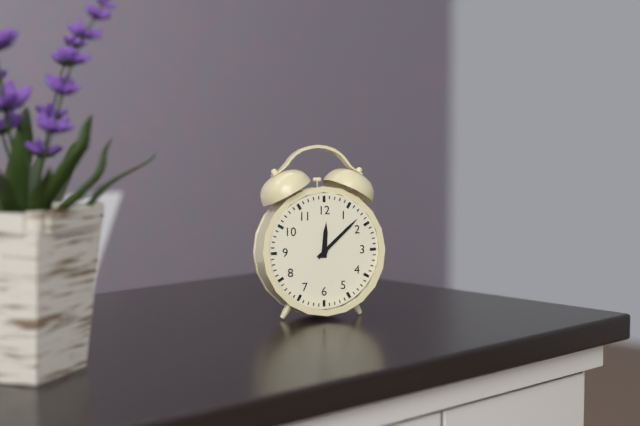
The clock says 12 h 08 min
